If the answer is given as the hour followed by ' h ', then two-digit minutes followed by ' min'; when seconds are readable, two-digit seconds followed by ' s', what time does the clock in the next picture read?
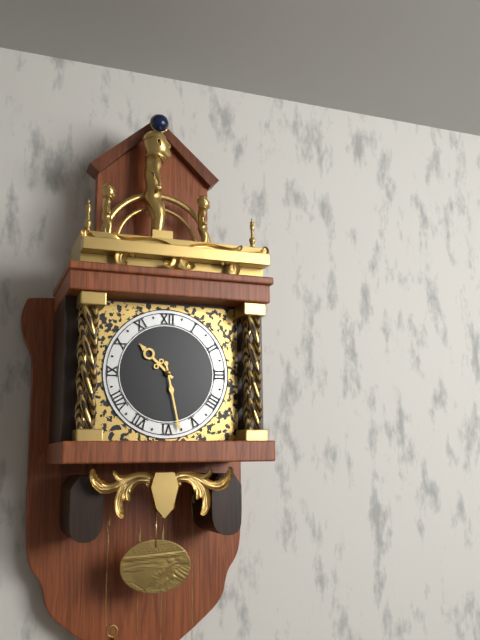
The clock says 10 h 28 min
